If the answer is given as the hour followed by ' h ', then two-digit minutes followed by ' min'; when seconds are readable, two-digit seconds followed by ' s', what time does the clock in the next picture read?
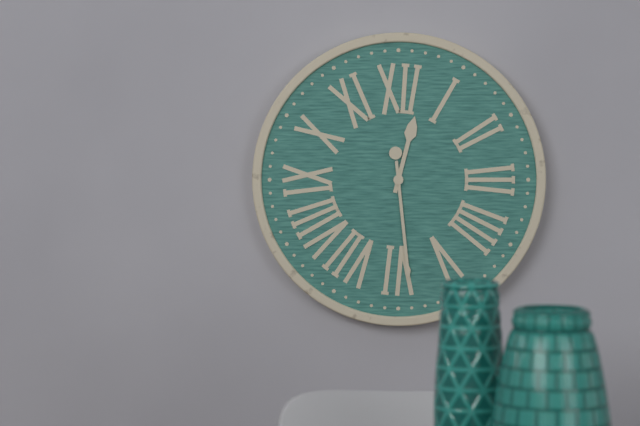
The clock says 12 h 29 min
